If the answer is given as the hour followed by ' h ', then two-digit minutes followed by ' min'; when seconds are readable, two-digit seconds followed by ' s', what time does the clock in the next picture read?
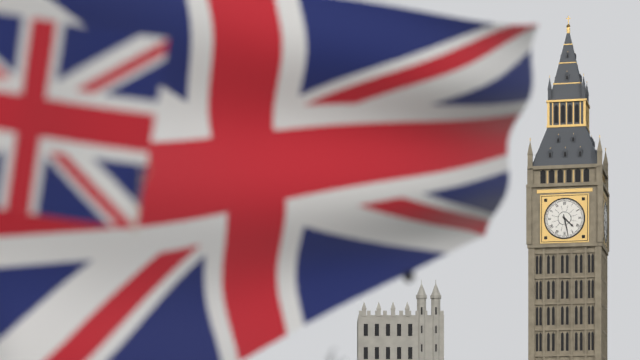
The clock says 4 h 28 min
